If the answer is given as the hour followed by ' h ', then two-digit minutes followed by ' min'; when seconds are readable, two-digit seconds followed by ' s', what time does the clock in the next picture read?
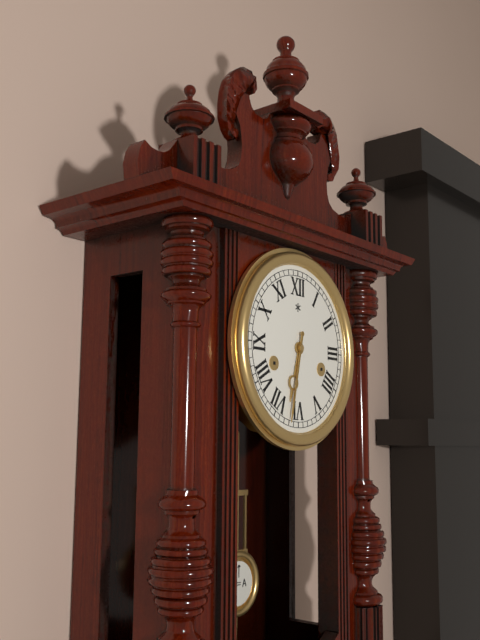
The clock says 6 h 32 min
